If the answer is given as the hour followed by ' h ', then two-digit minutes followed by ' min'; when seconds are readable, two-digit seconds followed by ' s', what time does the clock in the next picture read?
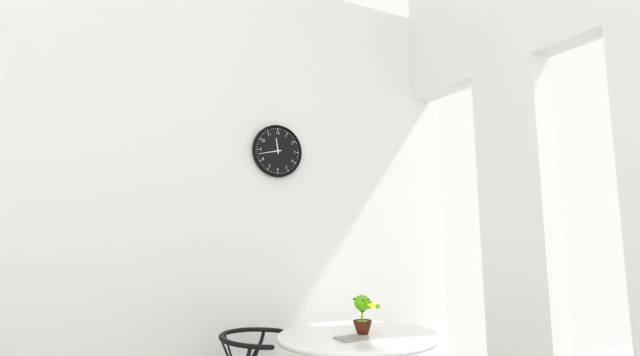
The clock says 11 h 43 min
